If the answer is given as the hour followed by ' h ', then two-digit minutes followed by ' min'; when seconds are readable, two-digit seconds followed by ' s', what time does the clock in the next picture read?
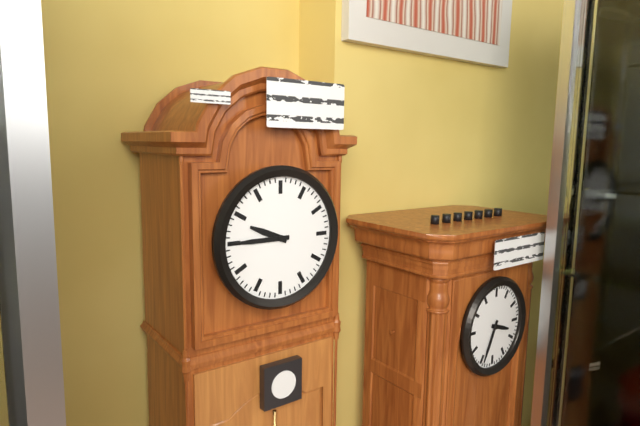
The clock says 9 h 45 min
